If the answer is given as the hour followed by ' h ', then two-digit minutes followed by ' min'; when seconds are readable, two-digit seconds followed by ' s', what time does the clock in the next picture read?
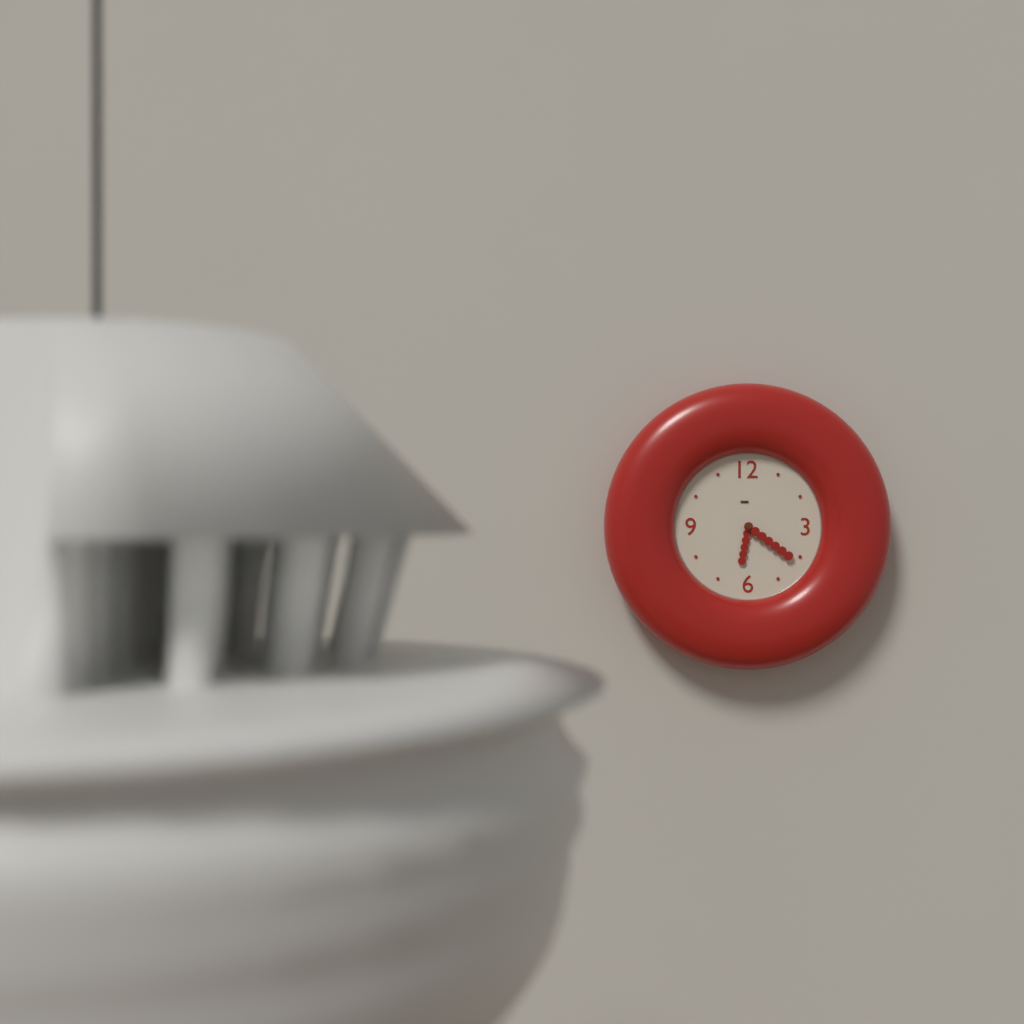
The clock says 6 h 21 min
